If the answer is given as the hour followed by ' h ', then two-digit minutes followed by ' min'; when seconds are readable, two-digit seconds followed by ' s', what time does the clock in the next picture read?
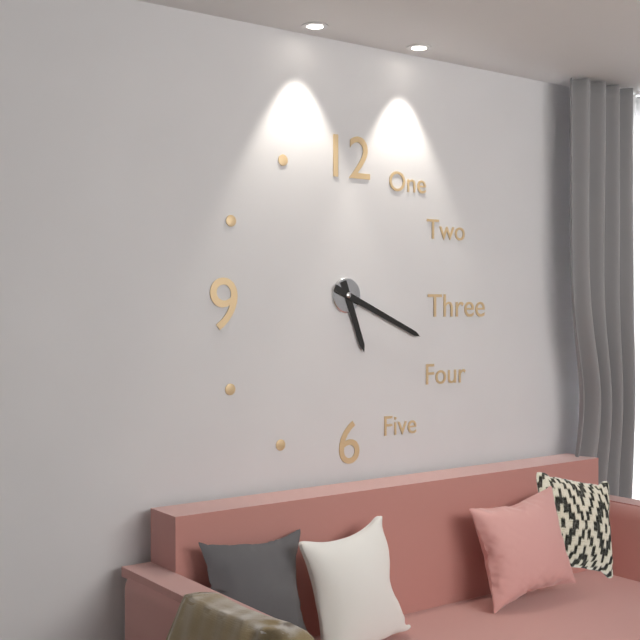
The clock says 5 h 19 min
